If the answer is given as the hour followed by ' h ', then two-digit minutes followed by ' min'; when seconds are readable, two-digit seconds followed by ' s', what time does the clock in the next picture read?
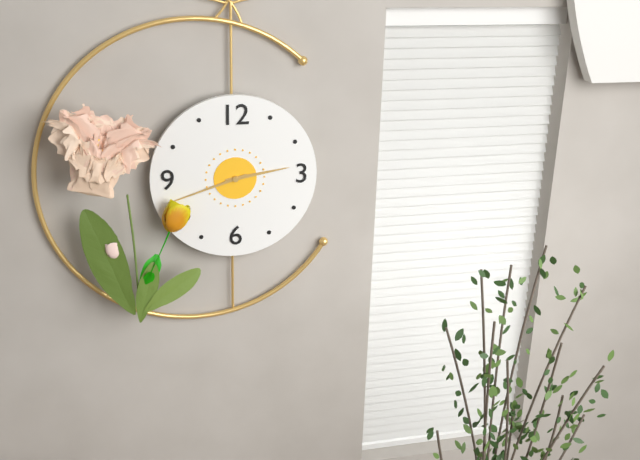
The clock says 2 h 42 min
